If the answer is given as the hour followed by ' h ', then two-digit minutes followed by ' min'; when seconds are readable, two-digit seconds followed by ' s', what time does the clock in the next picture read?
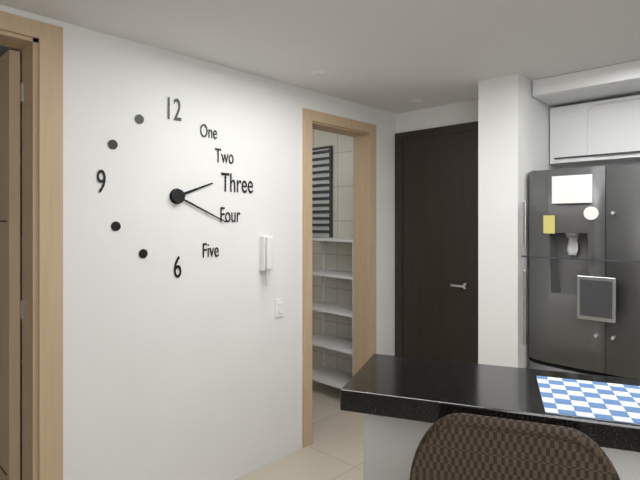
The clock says 2 h 19 min
